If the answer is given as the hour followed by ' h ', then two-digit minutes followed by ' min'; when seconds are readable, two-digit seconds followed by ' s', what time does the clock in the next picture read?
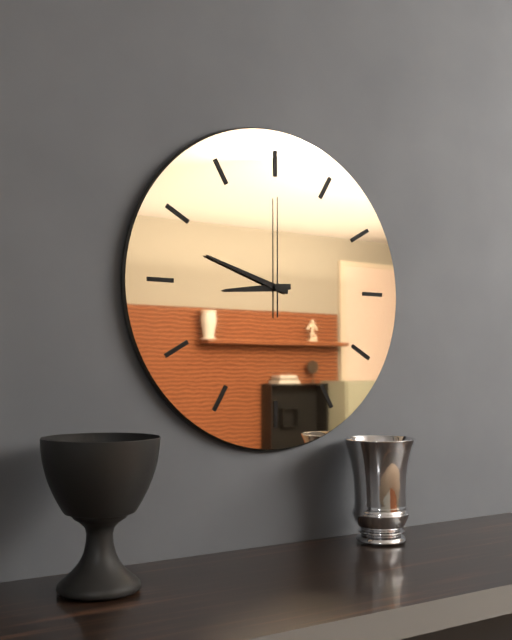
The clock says 8 h 48 min 00 s
